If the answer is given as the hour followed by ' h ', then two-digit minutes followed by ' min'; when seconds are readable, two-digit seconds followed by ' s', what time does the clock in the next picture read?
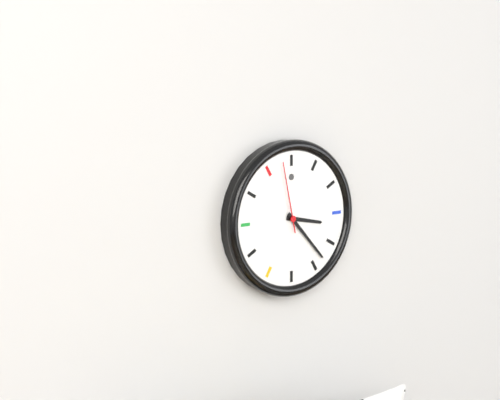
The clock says 3 h 23 min 58 s
